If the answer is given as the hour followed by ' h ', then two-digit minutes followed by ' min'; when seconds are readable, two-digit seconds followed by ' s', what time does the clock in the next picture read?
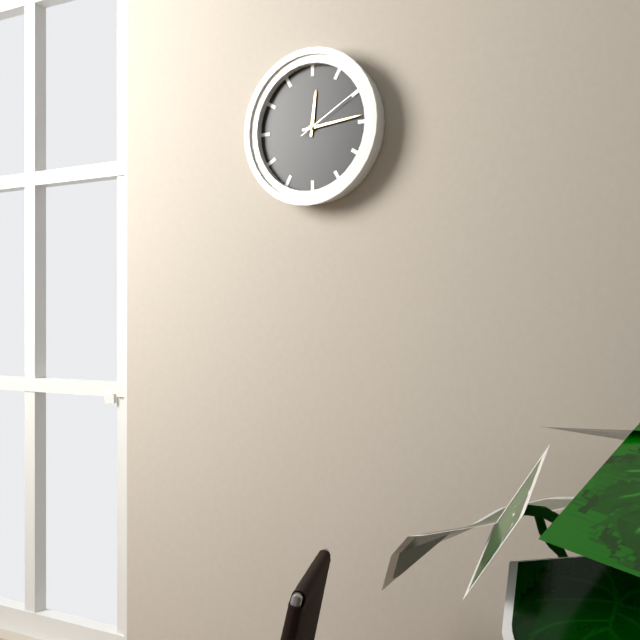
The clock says 12 h 14 min 10 s
